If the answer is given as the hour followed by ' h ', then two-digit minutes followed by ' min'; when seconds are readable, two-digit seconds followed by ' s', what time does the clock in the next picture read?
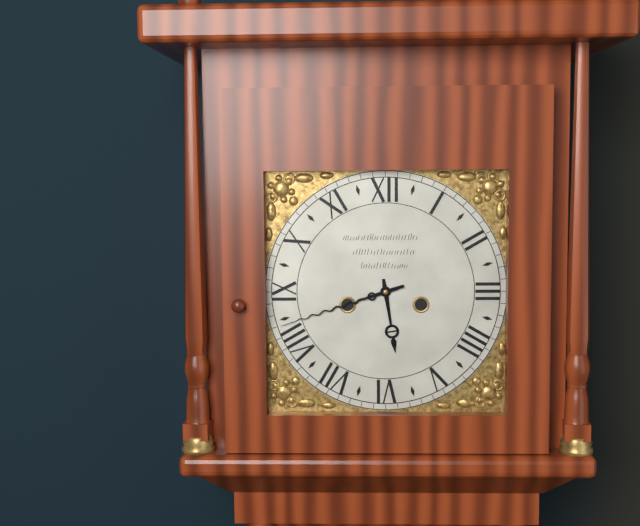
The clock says 5 h 42 min
